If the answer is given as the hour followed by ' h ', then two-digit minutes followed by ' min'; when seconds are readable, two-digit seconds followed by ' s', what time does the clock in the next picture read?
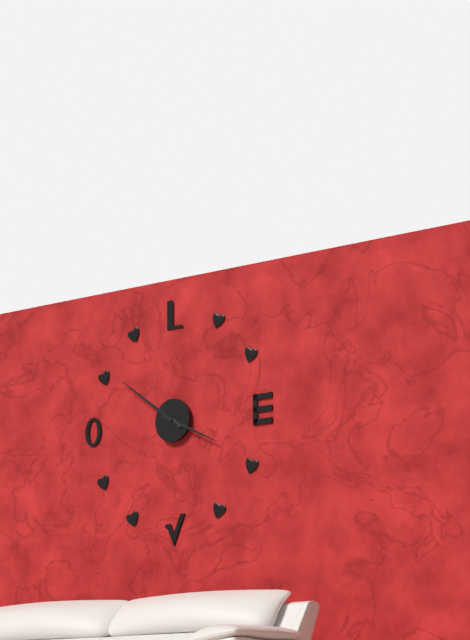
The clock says 3 h 51 min
